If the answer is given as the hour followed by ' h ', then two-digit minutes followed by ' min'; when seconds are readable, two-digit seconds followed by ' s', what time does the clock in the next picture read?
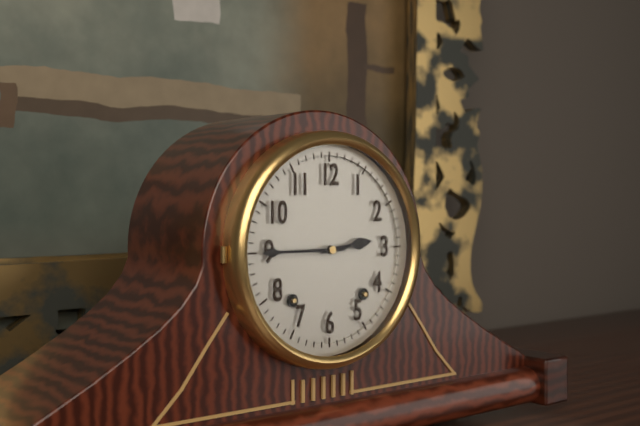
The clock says 2 h 45 min
